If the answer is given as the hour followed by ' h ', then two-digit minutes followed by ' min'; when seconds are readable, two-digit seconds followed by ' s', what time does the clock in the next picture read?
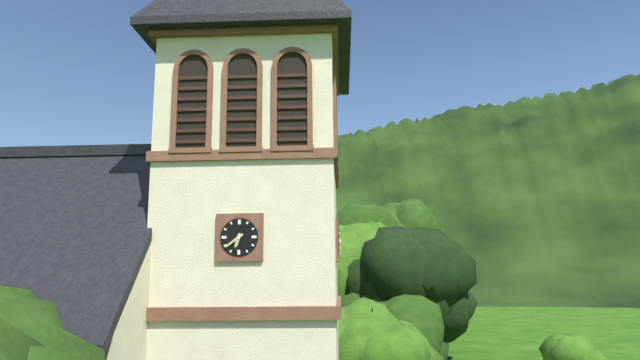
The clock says 6 h 39 min
